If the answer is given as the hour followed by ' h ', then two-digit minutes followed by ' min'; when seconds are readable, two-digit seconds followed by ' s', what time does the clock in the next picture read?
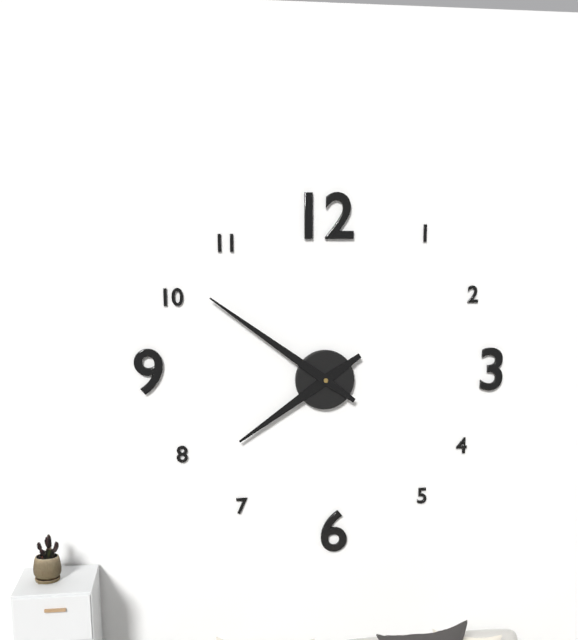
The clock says 7 h 51 min
